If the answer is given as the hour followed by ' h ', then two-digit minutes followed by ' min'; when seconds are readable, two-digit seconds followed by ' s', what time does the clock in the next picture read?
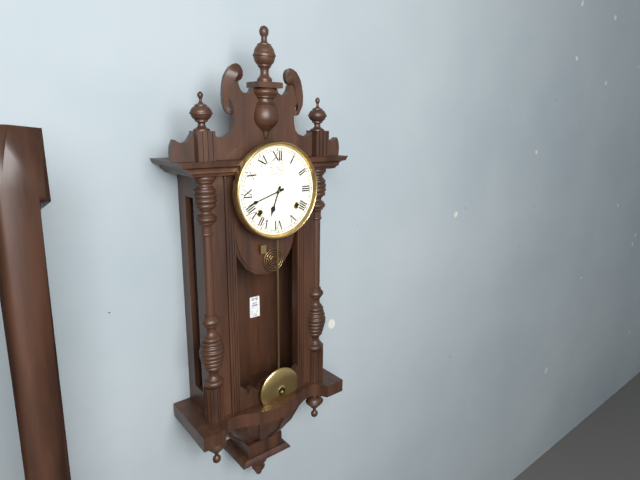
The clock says 6 h 42 min
